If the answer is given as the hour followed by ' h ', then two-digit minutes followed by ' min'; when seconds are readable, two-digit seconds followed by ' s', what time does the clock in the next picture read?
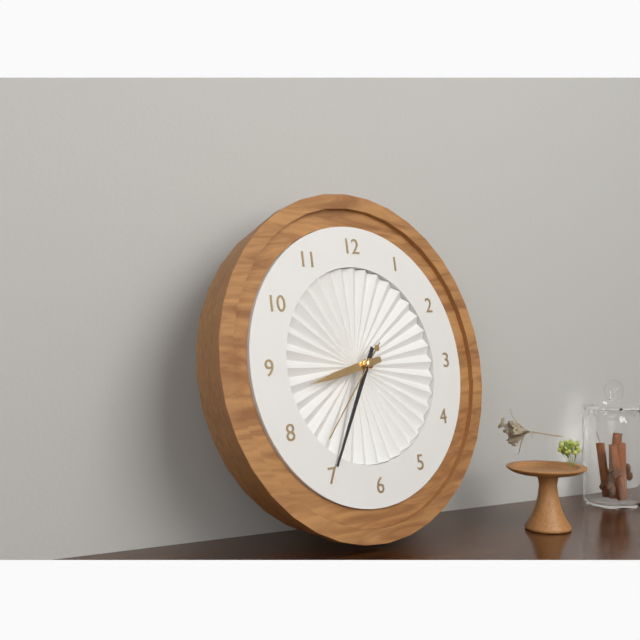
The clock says 8 h 35 min 37 s
